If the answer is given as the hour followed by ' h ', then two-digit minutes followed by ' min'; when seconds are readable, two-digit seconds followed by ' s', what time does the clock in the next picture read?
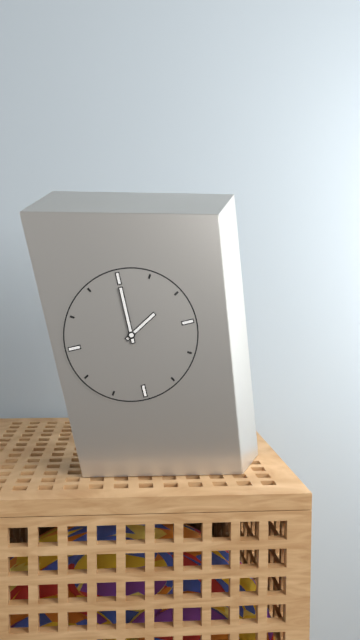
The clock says 2 h 00 min
